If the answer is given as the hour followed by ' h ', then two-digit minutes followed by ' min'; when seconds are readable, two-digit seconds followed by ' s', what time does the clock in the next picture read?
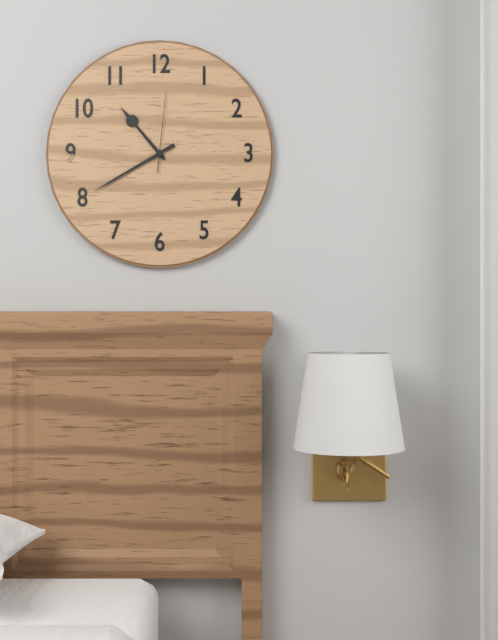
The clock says 10 h 40 min 01 s
